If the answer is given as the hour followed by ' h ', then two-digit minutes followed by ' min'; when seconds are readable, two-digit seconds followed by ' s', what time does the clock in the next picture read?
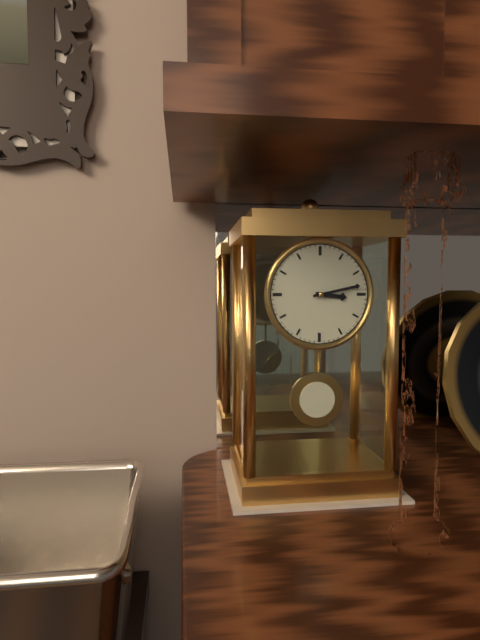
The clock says 3 h 13 min
